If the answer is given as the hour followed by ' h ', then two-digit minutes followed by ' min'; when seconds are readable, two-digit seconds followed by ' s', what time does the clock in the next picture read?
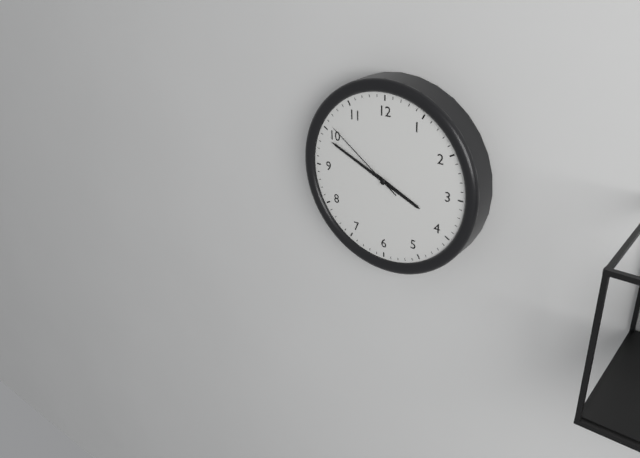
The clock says 3 h 49 min 51 s
